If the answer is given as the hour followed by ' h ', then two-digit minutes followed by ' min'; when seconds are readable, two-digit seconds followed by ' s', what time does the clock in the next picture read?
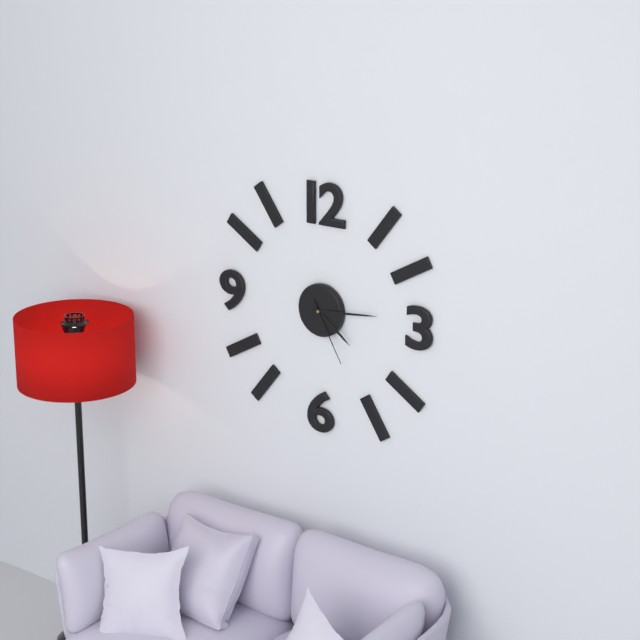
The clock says 4 h 14 min 25 s
